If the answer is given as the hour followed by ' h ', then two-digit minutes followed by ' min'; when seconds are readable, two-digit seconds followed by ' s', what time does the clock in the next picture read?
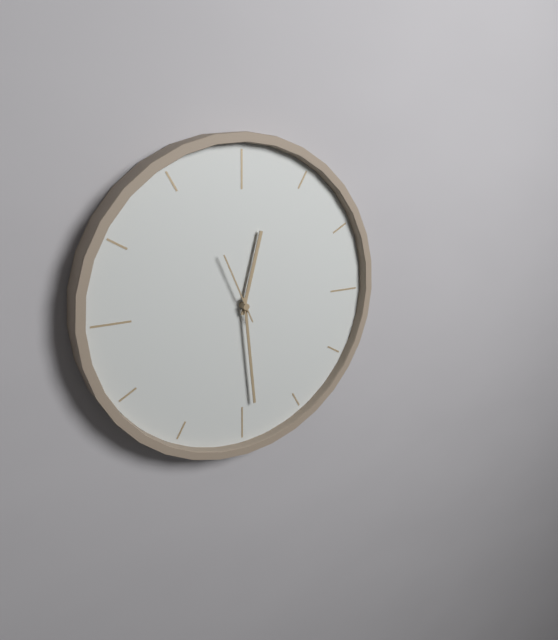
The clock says 12 h 29 min 56 s
